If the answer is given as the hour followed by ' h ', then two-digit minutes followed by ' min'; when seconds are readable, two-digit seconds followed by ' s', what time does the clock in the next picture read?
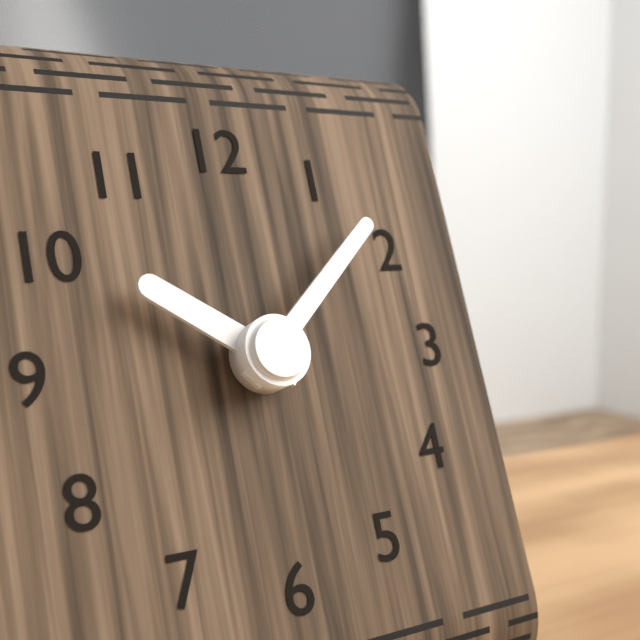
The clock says 10 h 08 min
